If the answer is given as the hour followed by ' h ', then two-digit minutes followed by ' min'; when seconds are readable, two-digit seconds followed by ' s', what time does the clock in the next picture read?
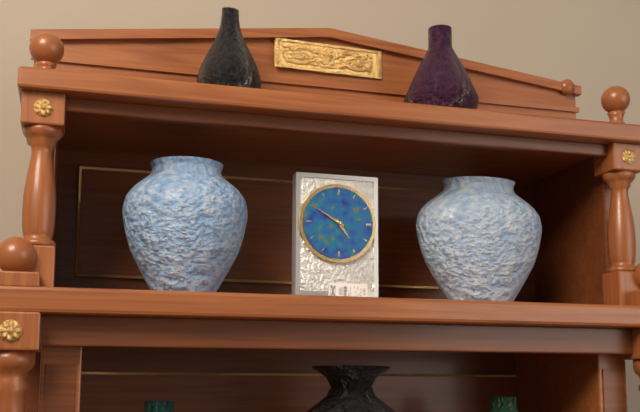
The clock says 4 h 50 min
